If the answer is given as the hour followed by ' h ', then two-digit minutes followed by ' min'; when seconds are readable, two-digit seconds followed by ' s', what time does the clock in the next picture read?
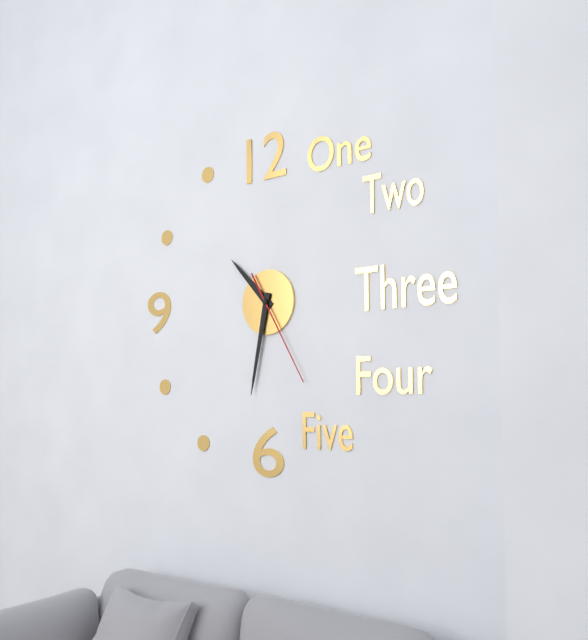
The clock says 10 h 32 min 25 s
